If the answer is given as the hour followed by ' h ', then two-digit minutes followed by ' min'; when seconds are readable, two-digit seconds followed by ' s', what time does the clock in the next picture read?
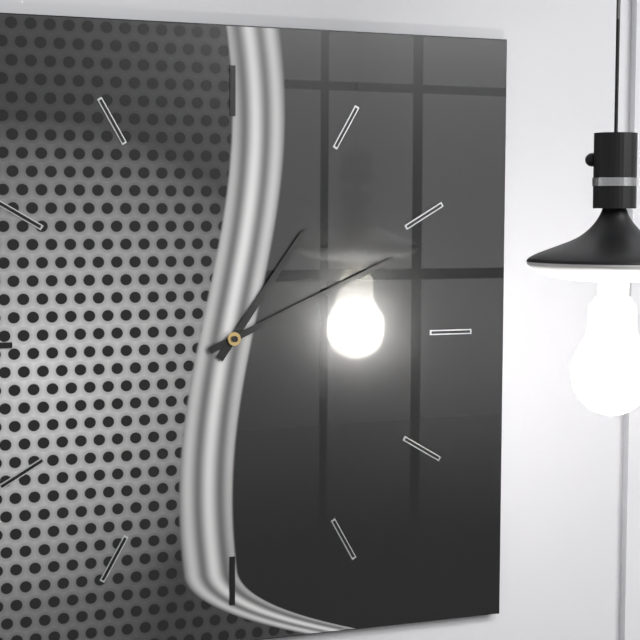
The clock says 1 h 11 min
